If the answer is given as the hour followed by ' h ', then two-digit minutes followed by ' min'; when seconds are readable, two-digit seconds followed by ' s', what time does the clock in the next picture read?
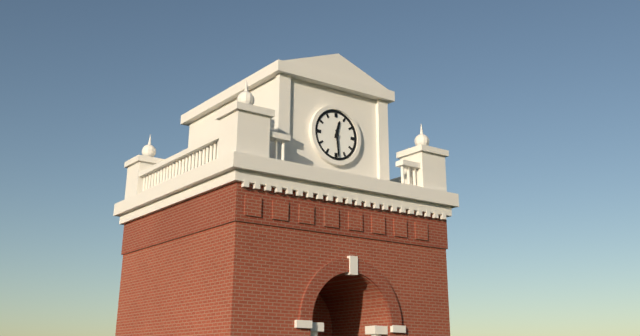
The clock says 12 h 29 min
